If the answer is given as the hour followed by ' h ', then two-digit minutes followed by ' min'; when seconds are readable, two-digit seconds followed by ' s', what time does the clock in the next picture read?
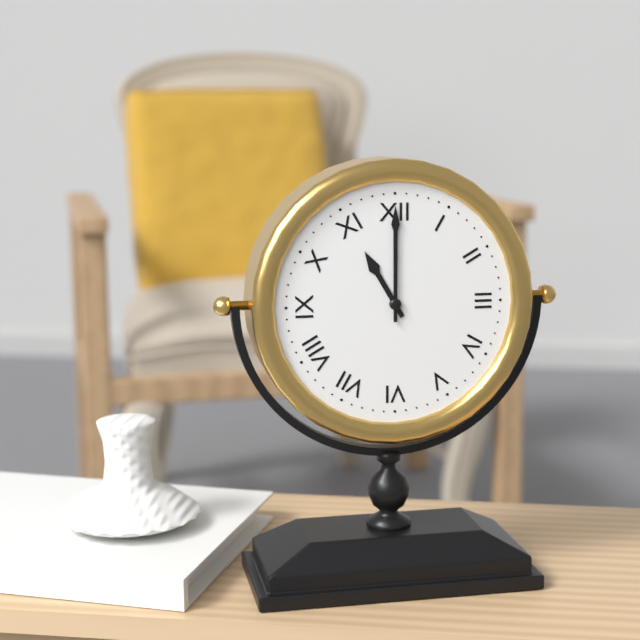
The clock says 11 h 00 min
